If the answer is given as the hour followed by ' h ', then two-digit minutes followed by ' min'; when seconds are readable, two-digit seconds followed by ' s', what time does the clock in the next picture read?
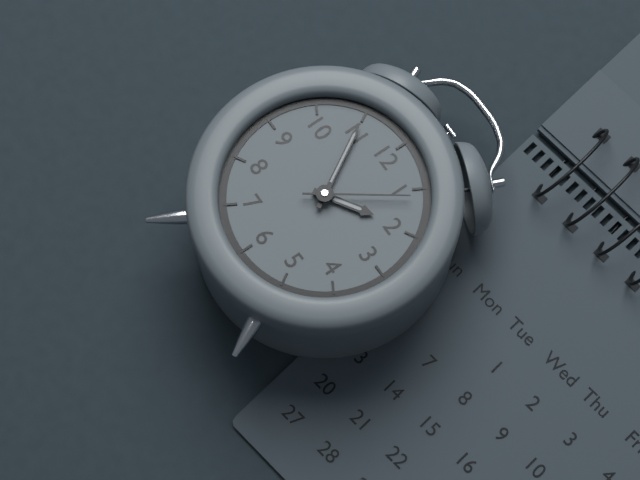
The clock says 1 h 55 min 06 s
